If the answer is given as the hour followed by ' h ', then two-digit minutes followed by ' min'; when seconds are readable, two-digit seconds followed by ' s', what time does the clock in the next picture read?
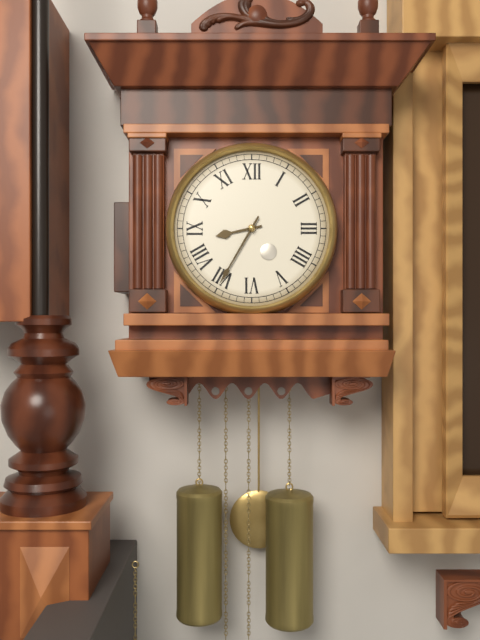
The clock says 8 h 35 min
